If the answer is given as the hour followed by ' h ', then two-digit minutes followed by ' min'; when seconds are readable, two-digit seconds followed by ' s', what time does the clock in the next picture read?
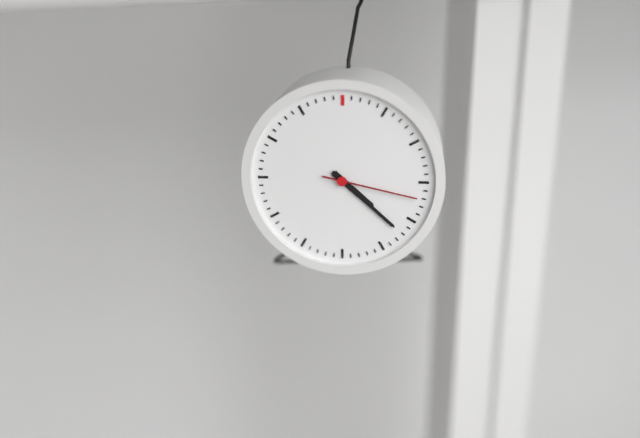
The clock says 4 h 22 min 17 s
